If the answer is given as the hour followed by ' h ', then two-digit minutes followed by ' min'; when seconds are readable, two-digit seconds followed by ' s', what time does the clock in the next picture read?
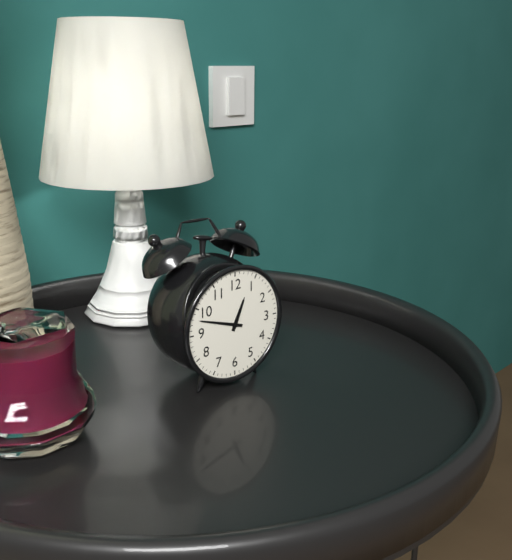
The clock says 12 h 48 min
